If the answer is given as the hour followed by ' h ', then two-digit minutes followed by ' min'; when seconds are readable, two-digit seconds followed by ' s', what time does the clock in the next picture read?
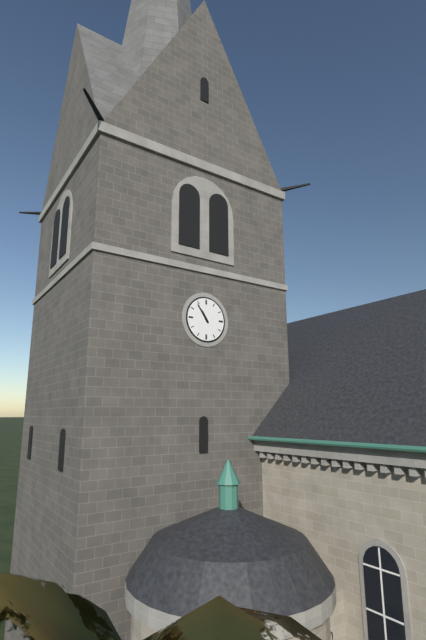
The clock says 10 h 54 min
